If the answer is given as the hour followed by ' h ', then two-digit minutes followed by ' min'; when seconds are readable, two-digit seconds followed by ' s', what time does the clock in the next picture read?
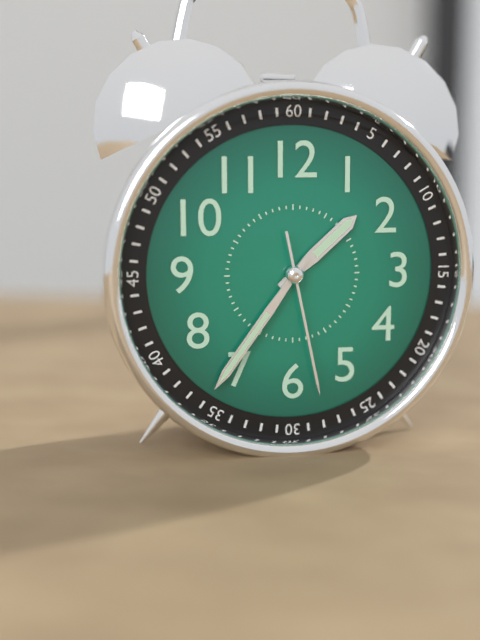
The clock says 1 h 36 min 28 s
